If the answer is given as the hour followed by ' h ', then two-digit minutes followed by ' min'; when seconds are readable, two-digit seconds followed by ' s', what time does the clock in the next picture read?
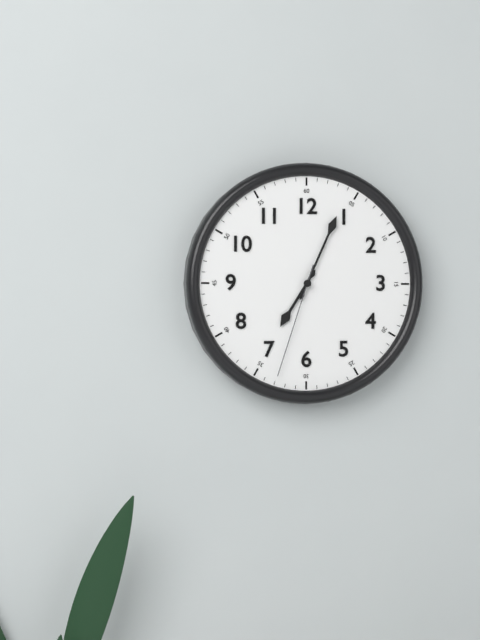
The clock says 7 h 04 min 33 s
